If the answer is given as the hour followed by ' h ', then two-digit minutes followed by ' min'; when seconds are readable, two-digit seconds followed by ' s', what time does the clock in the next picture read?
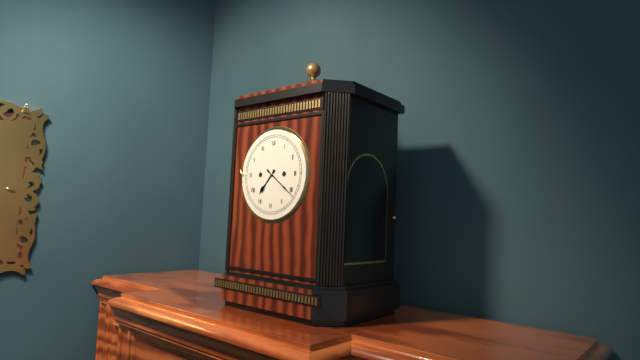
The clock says 7 h 21 min
